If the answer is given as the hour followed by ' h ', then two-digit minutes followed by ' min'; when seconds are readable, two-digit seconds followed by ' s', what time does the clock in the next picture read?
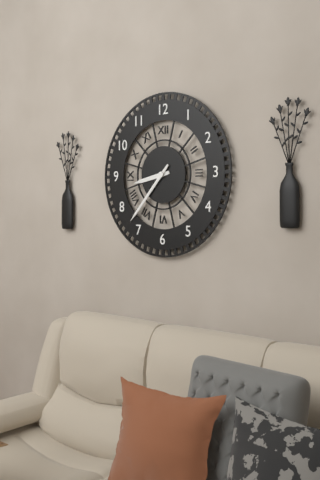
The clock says 8 h 37 min
